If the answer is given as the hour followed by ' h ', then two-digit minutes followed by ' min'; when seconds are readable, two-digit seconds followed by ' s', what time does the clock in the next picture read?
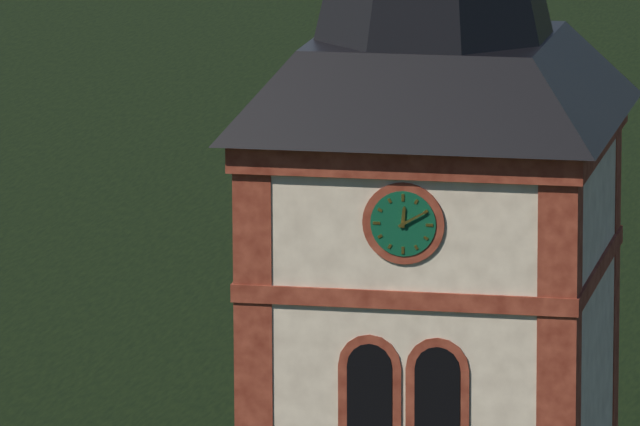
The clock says 12 h 10 min
